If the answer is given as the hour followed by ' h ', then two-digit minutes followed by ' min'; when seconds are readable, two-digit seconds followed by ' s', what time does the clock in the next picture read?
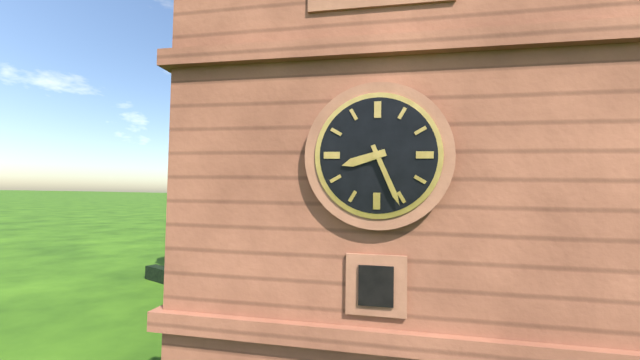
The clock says 8 h 26 min
